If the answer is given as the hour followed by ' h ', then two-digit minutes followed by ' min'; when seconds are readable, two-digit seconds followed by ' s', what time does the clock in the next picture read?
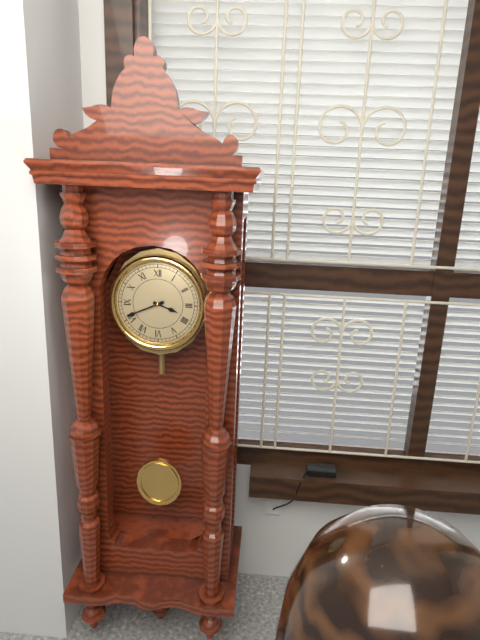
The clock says 3 h 41 min
